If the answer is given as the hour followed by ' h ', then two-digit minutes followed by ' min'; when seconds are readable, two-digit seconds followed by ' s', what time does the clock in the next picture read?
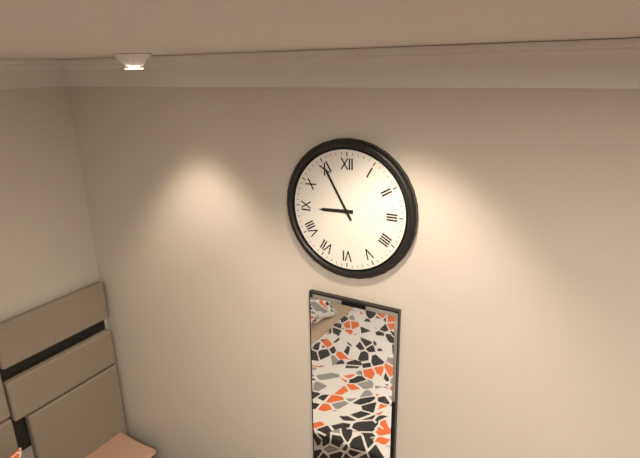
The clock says 8 h 55 min
